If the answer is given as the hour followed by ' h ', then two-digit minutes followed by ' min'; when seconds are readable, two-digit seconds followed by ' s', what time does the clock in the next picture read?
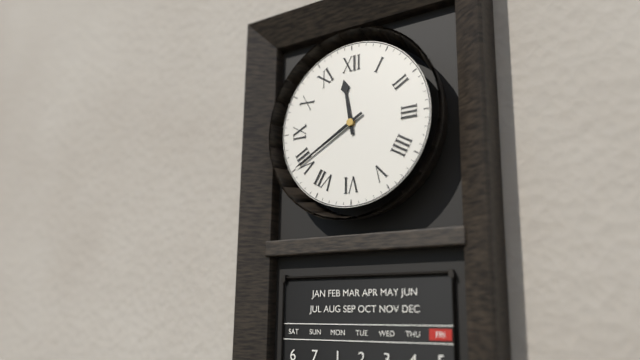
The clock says 11 h 40 min
